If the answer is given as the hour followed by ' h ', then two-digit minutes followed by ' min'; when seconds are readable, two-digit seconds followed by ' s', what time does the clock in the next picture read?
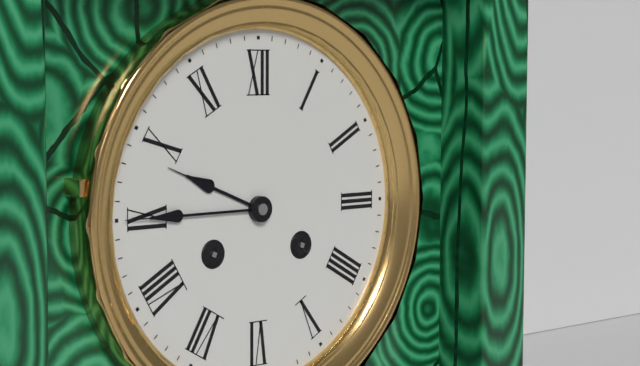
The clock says 9 h 45 min
